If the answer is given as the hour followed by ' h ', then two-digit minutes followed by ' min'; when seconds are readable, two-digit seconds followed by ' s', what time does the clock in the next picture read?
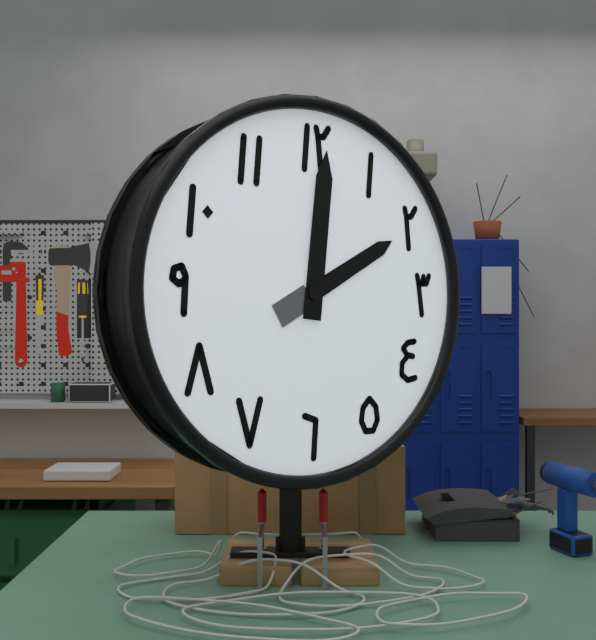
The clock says 2 h 01 min
